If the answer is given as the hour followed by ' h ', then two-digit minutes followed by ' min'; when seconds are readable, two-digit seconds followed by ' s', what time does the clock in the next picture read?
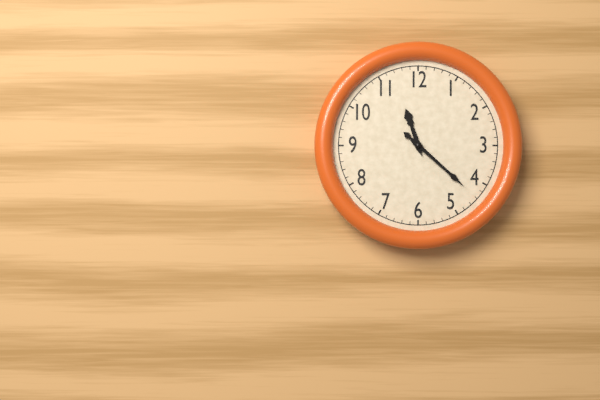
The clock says 11 h 22 min
